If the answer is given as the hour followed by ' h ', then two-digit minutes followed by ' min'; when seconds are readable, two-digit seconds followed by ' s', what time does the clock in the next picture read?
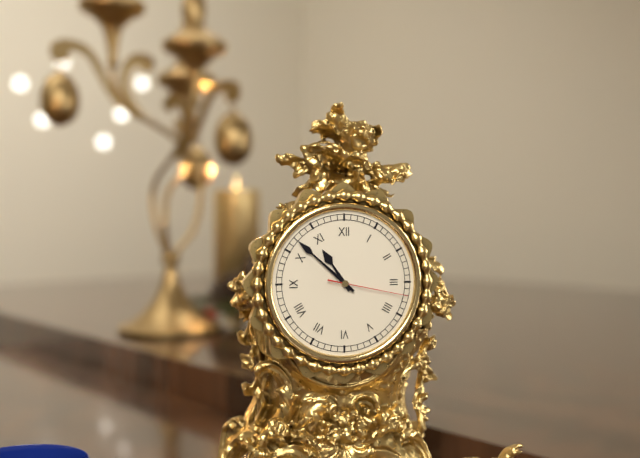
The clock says 10 h 52 min 17 s
